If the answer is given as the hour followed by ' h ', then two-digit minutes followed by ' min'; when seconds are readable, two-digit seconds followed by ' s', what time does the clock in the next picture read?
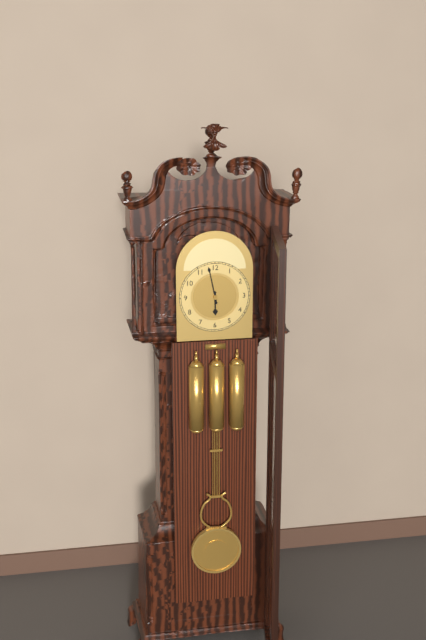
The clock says 5 h 58 min
